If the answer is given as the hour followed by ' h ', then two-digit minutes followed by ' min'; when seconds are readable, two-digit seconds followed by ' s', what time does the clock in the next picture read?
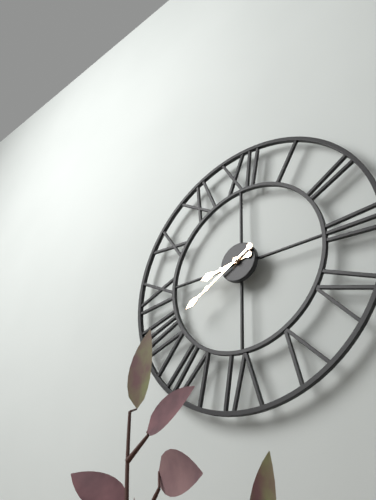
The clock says 8 h 40 min
